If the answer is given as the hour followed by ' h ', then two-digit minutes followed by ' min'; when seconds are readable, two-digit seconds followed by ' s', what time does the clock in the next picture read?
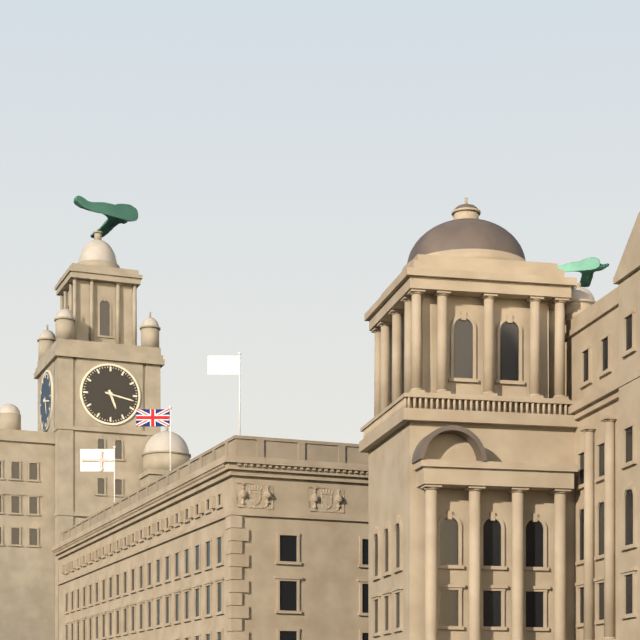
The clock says 5 h 17 min
